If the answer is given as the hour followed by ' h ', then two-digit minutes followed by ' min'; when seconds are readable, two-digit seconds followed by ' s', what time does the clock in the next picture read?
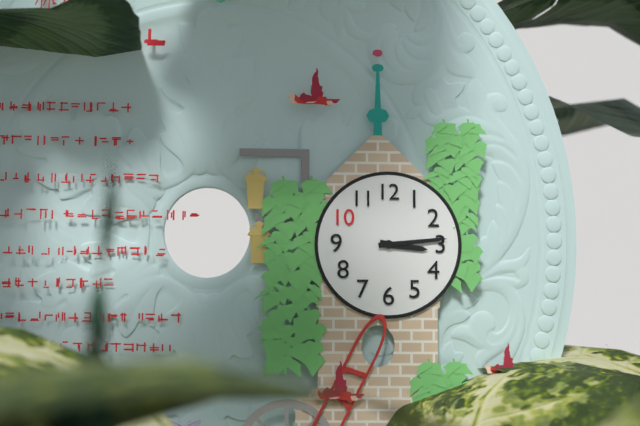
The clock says 3 h 14 min
